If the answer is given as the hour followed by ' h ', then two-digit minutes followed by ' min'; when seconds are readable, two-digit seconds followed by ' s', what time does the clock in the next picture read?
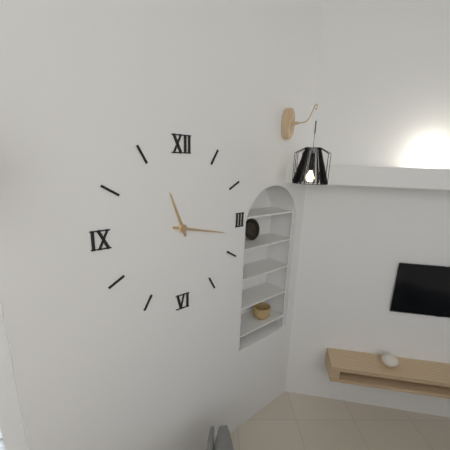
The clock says 11 h 17 min
